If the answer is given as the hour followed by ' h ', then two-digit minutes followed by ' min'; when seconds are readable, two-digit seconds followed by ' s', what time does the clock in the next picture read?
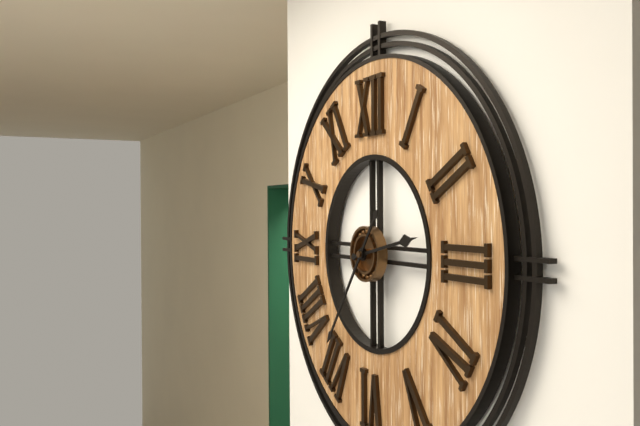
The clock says 2 h 36 min
